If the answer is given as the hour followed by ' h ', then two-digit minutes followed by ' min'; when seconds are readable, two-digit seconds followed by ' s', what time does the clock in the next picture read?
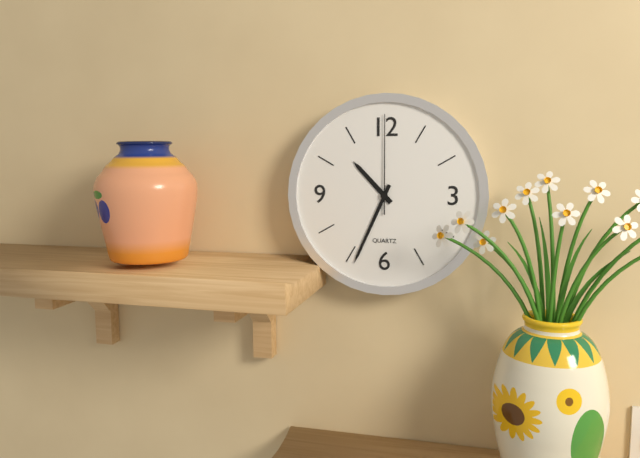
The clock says 10 h 34 min 00 s
